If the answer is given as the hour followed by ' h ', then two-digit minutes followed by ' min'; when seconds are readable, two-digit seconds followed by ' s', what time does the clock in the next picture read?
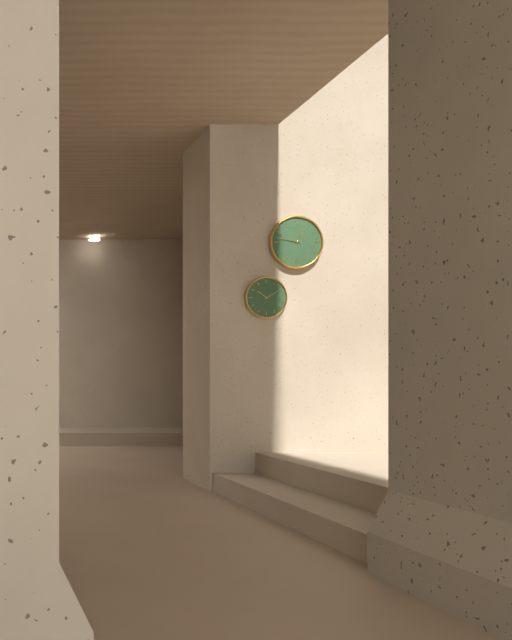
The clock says 12 h 47 min
